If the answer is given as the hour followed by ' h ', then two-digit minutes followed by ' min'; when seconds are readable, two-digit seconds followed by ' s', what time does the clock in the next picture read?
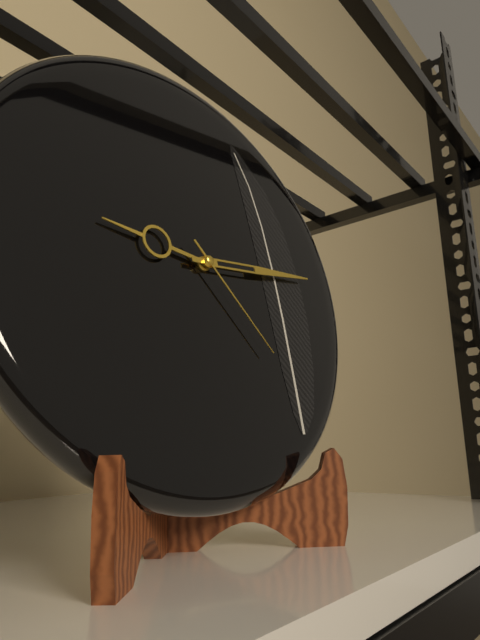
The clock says 9 h 14 min 23 s
